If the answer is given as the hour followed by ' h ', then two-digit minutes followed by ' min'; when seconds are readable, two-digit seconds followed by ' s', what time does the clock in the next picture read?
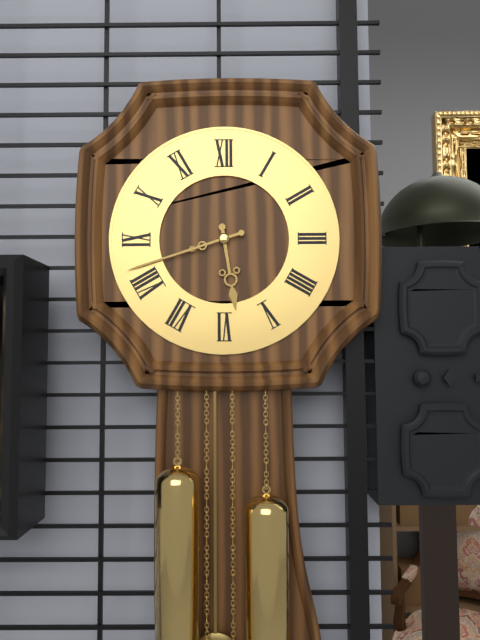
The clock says 5 h 42 min
